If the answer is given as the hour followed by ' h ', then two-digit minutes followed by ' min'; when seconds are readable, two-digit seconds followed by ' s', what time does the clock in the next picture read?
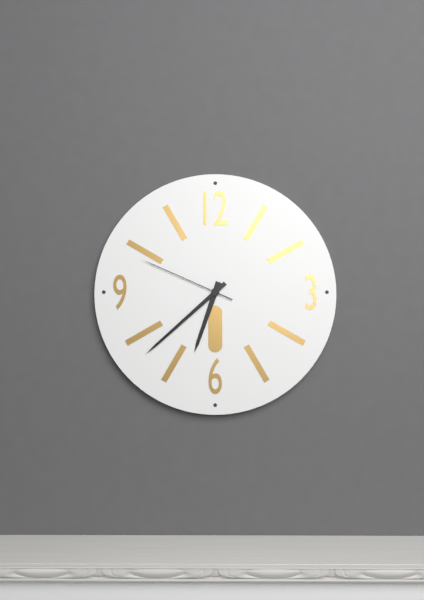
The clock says 6 h 38 min 49 s
